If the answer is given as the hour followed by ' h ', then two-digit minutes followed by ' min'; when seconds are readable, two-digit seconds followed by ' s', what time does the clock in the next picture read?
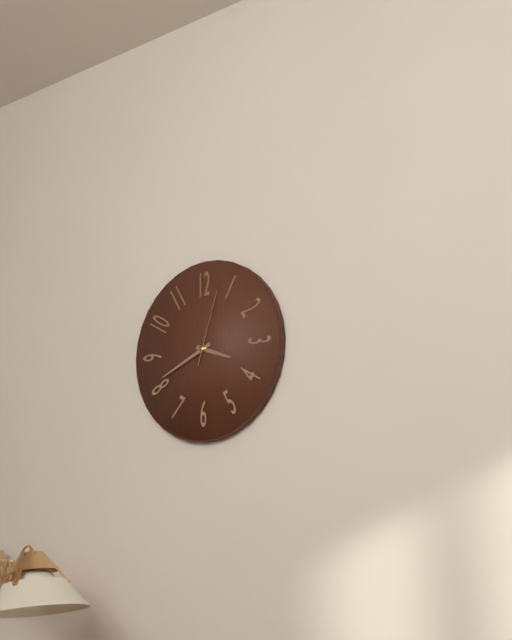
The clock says 3 h 41 min 03 s
